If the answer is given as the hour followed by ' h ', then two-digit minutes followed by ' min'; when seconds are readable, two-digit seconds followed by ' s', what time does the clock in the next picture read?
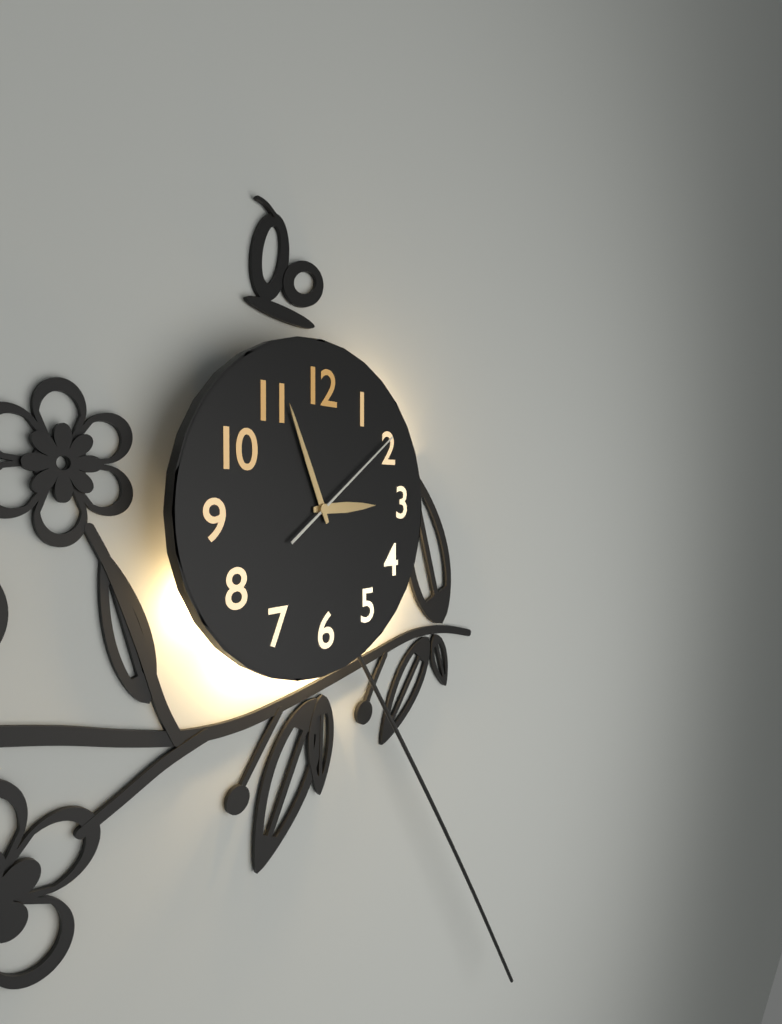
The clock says 2 h 56 min 09 s
